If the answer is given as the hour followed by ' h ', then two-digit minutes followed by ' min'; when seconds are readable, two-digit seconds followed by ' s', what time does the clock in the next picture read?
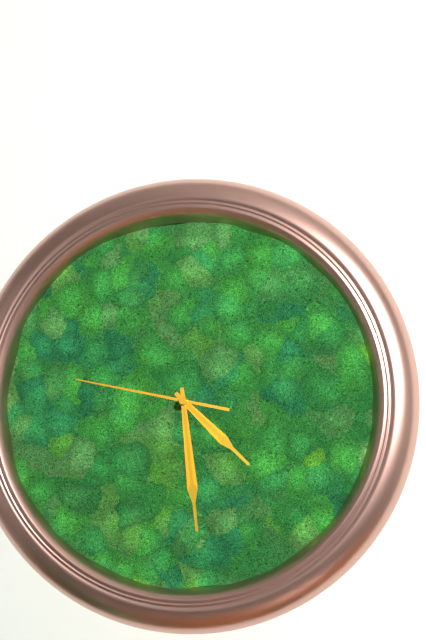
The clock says 4 h 29 min 47 s
